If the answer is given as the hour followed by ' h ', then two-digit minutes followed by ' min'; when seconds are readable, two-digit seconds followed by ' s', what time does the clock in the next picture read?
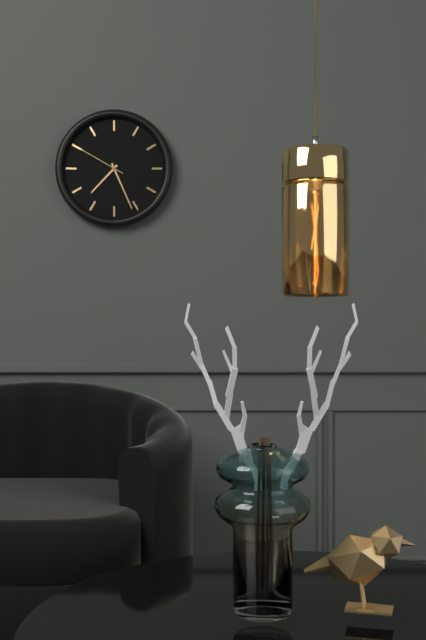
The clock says 7 h 26 min 50 s
